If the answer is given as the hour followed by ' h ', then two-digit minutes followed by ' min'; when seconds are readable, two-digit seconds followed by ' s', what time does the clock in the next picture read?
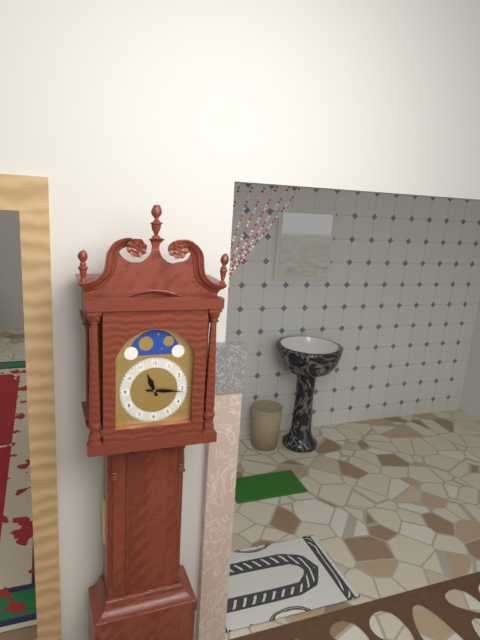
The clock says 11 h 16 min
